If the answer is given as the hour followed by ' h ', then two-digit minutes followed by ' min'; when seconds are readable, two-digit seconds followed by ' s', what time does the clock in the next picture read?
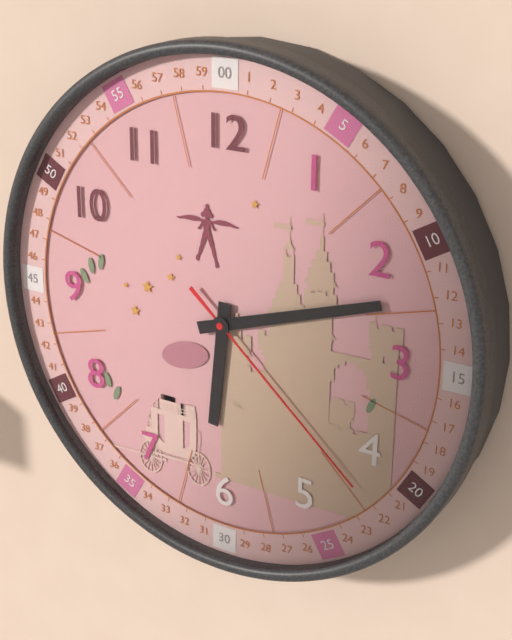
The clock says 6 h 12 min 22 s
